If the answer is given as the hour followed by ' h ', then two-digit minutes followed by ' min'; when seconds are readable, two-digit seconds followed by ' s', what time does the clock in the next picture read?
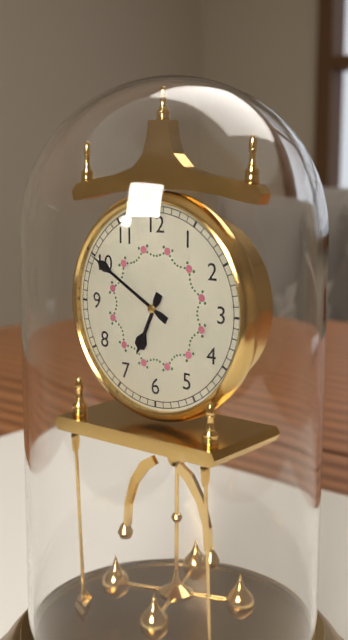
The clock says 6 h 50 min
